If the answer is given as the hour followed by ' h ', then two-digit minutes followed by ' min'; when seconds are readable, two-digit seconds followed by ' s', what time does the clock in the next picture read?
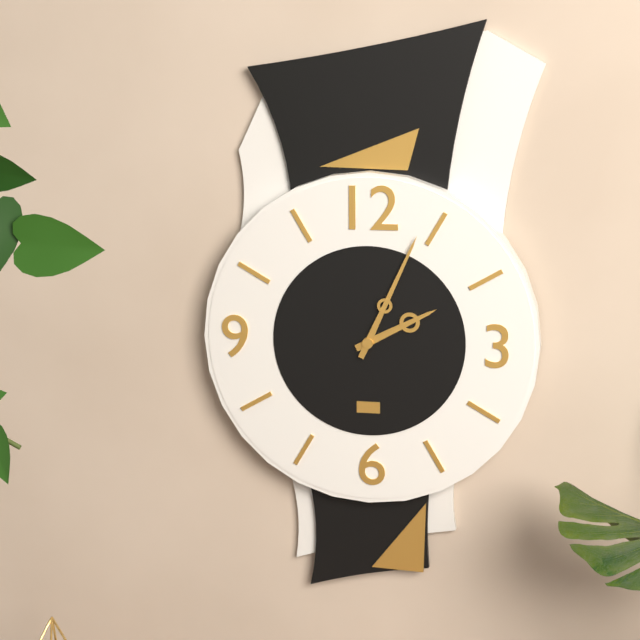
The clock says 2 h 04 min
